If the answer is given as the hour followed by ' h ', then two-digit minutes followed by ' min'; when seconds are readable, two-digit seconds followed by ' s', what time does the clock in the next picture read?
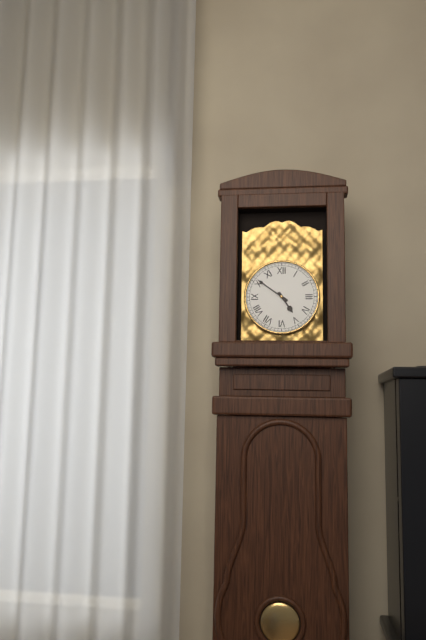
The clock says 4 h 51 min
